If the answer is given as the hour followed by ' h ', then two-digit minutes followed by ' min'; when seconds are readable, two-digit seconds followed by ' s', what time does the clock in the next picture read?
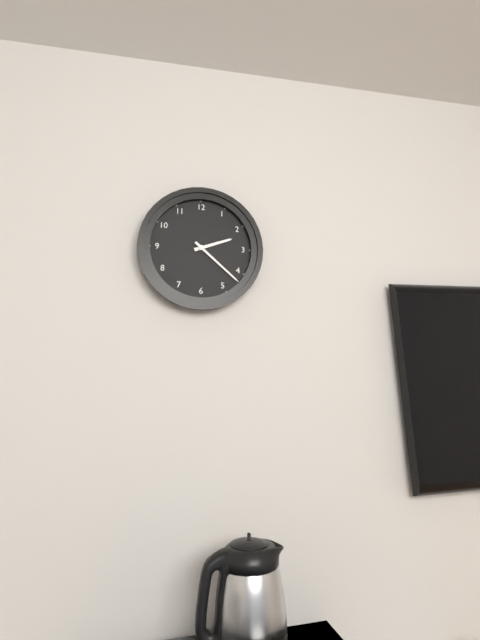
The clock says 2 h 22 min
